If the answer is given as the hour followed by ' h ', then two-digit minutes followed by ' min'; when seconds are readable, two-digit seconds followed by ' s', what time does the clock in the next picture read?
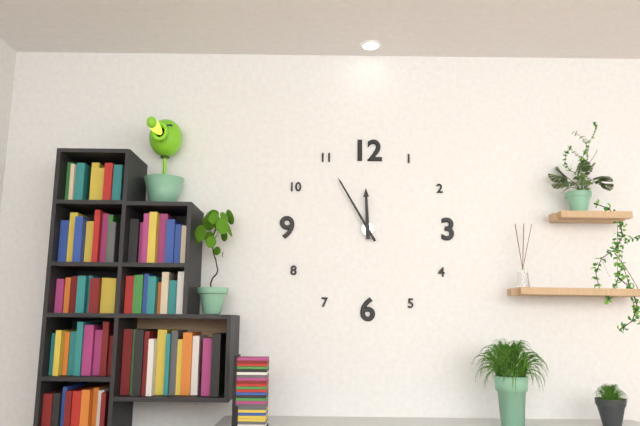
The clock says 11 h 55 min
